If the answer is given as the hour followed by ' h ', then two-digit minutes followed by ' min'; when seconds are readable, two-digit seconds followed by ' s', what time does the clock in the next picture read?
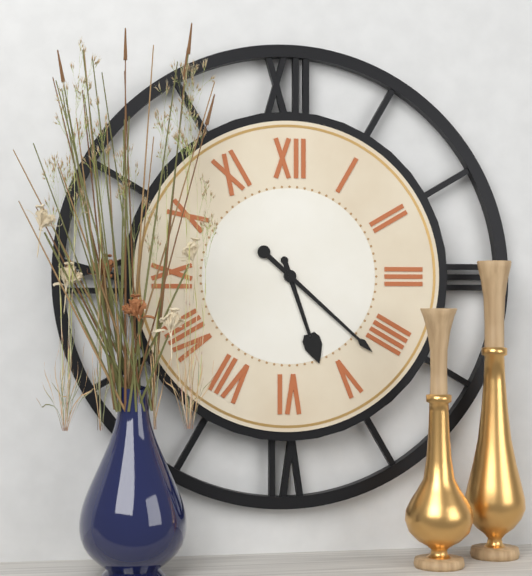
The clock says 5 h 22 min
